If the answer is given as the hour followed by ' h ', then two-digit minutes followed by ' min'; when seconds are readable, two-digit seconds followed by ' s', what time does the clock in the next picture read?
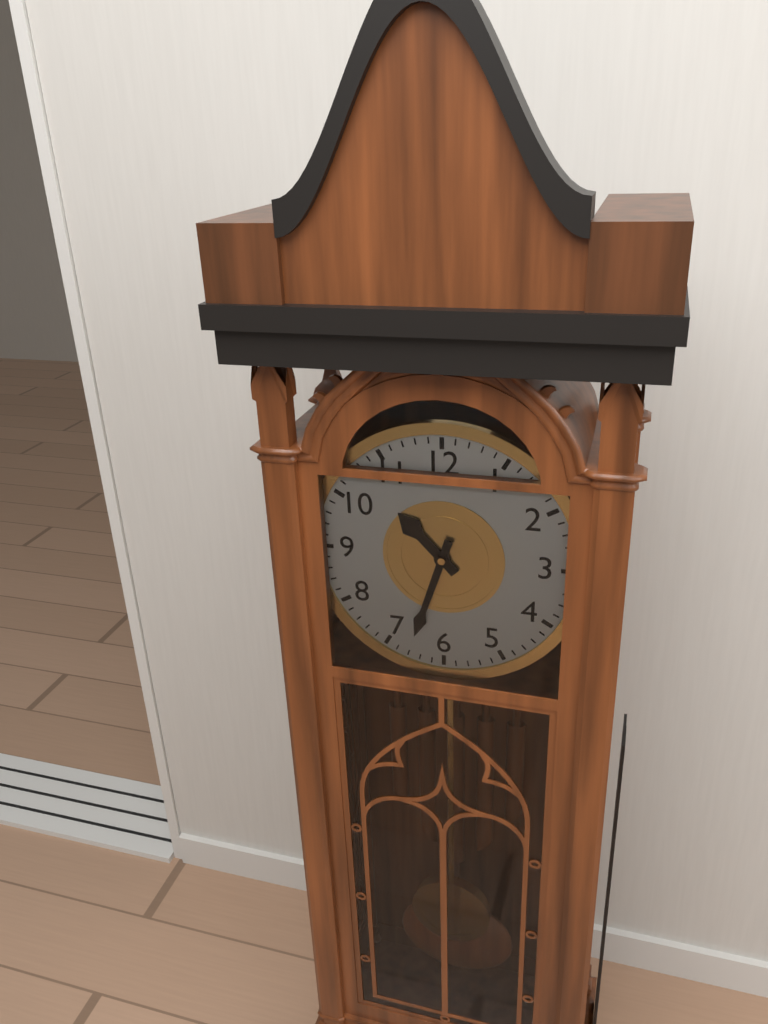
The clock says 10 h 33 min
